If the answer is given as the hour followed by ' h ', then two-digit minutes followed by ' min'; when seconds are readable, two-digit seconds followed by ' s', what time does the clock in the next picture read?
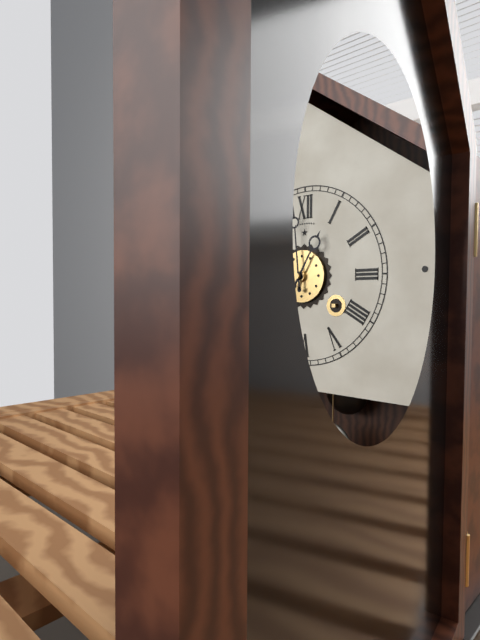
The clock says 12 h 59 min
